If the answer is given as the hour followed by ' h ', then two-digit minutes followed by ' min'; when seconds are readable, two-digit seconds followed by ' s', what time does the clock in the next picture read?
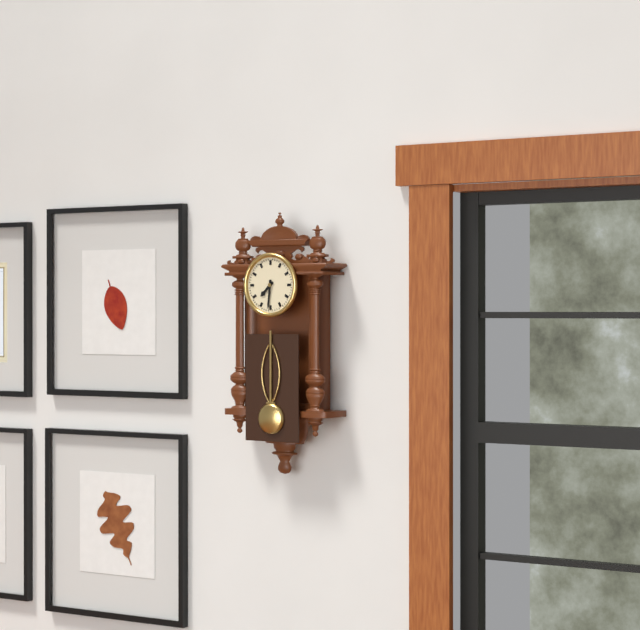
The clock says 7 h 31 min
